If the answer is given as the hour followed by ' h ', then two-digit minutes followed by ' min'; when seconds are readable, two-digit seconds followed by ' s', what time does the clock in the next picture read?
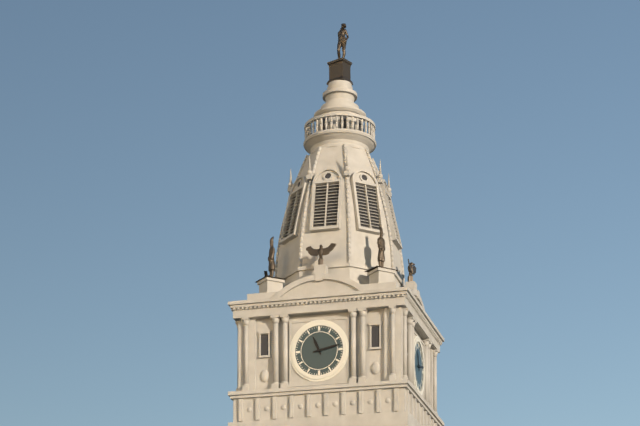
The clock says 11 h 13 min
